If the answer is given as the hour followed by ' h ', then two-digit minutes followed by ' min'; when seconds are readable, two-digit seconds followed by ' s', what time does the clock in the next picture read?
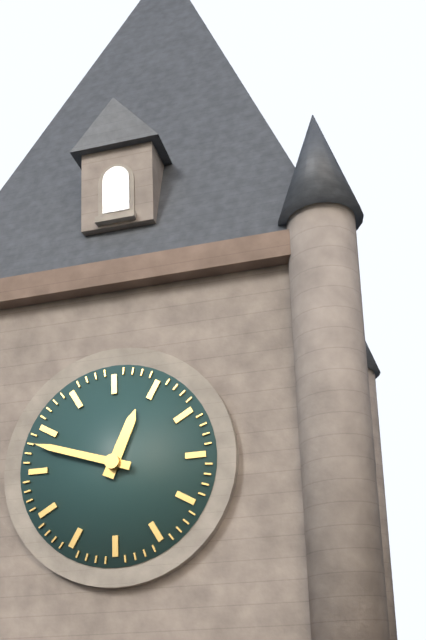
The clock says 12 h 48 min
